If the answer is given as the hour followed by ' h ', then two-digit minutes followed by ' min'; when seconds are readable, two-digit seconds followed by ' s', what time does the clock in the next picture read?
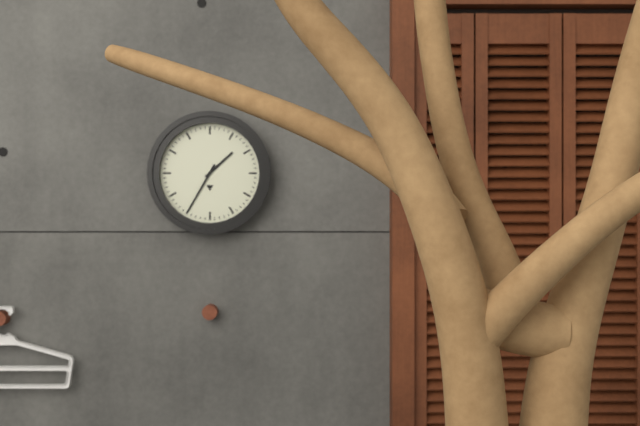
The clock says 1 h 35 min
